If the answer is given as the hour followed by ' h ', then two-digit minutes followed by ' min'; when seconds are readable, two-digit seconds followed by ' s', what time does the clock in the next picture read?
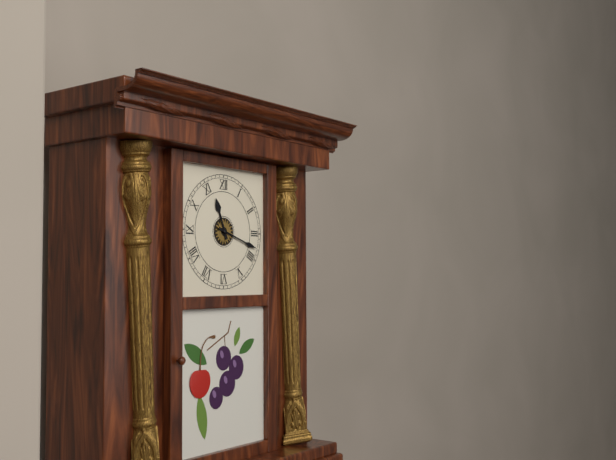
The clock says 11 h 18 min
